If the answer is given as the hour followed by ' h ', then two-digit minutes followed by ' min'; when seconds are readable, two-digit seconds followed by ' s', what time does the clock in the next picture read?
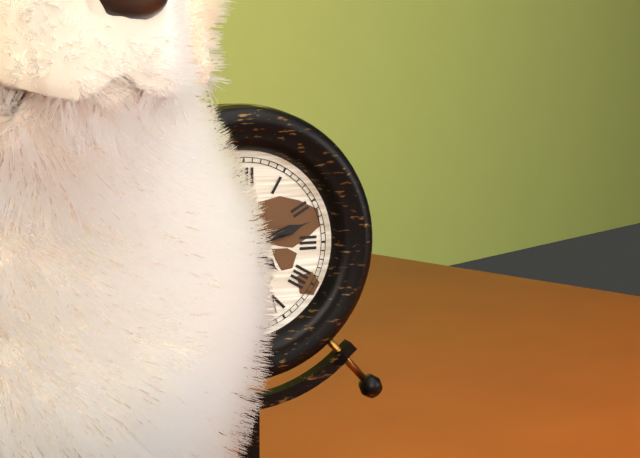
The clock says 4 h 12 min
